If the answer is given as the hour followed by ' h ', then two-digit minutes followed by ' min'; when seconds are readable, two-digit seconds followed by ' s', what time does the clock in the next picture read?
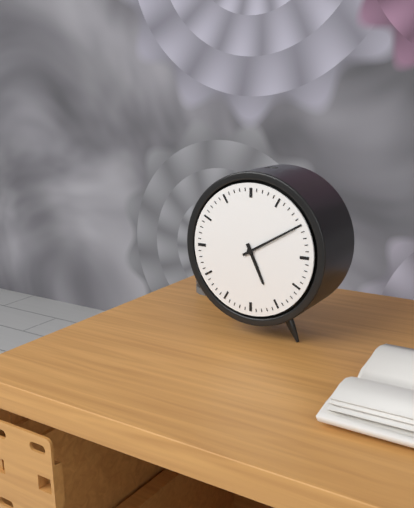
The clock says 5 h 10 min
